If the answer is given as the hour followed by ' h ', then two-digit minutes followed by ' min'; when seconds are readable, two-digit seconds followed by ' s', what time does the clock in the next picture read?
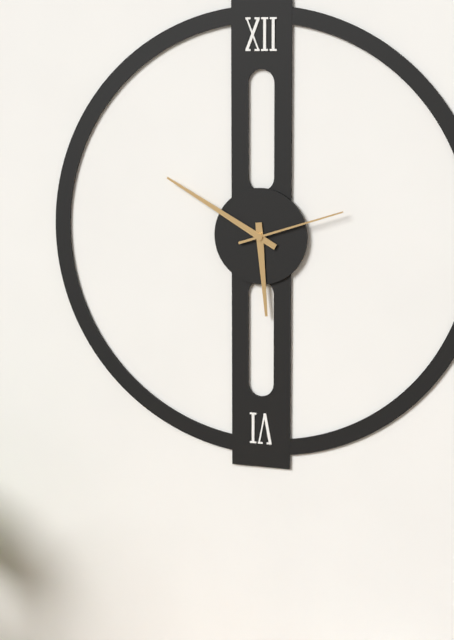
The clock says 5 h 50 min 12 s
